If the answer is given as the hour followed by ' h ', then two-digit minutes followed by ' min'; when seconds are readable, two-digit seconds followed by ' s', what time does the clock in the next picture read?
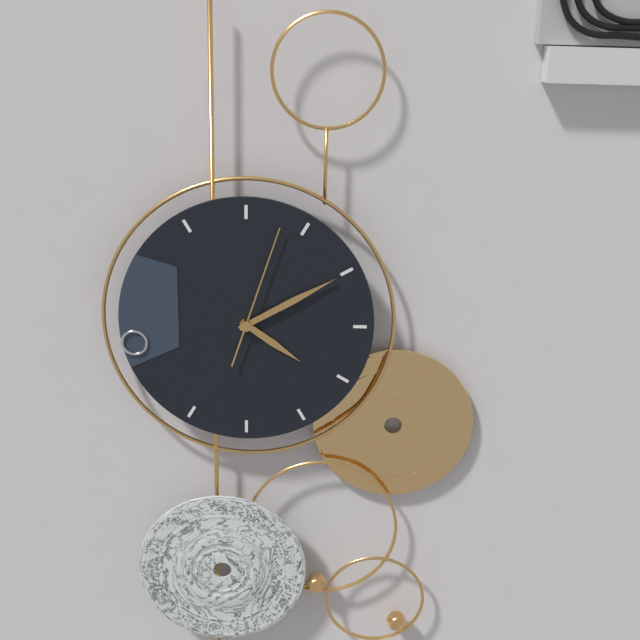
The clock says 4 h 10 min 03 s
